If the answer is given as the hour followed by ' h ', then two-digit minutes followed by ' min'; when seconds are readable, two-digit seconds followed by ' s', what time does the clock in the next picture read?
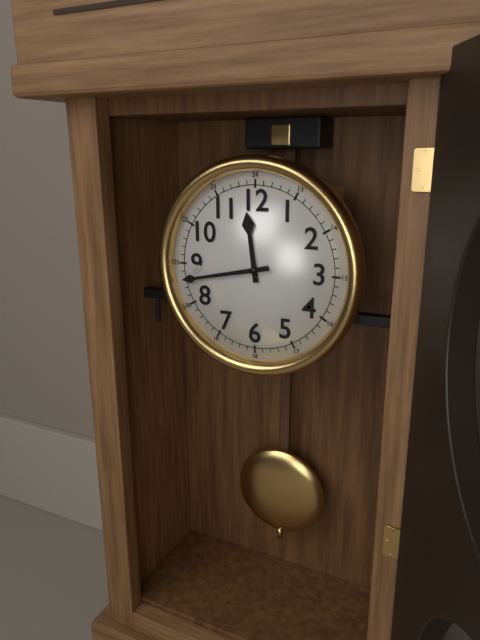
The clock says 11 h 43 min
